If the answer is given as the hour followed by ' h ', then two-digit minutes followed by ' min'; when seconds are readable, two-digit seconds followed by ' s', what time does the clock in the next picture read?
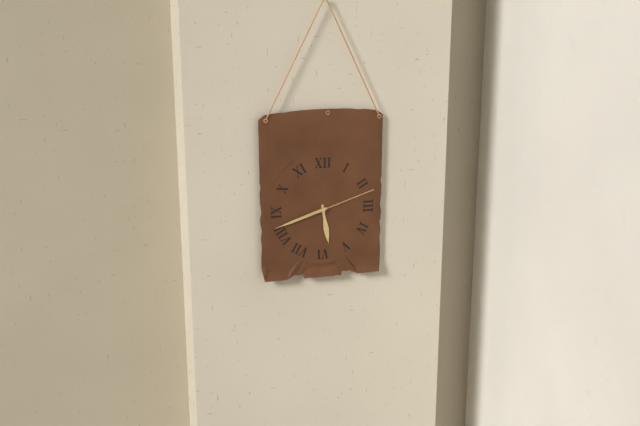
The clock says 5 h 42 min 12 s
